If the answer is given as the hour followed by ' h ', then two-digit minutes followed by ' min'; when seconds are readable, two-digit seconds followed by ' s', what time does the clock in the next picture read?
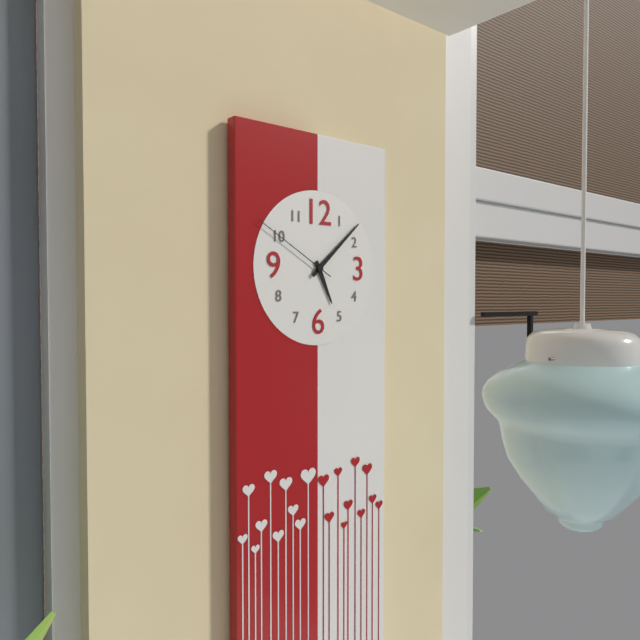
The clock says 5 h 08 min 50 s
